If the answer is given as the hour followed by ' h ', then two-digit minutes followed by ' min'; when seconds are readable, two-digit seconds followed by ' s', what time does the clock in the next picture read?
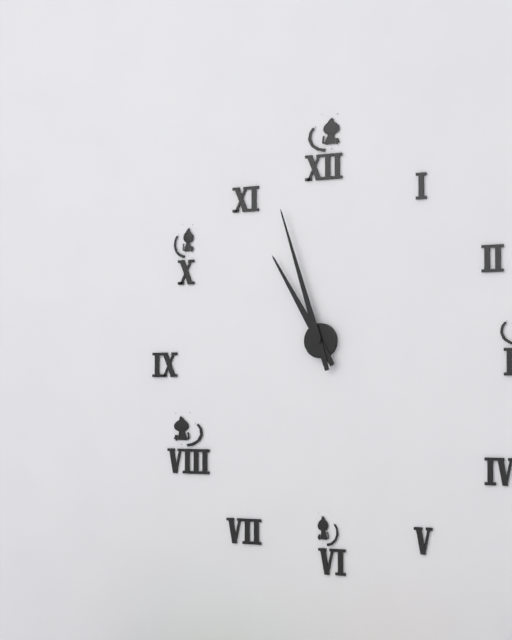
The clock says 10 h 57 min
